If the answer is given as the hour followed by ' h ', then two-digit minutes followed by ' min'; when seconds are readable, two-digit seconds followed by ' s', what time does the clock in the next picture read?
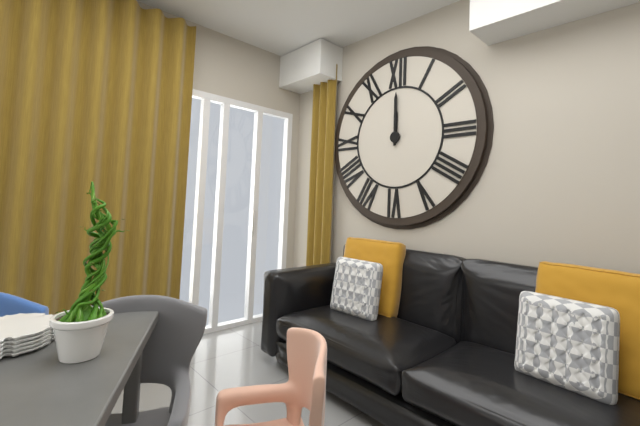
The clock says 12 h 00 min
